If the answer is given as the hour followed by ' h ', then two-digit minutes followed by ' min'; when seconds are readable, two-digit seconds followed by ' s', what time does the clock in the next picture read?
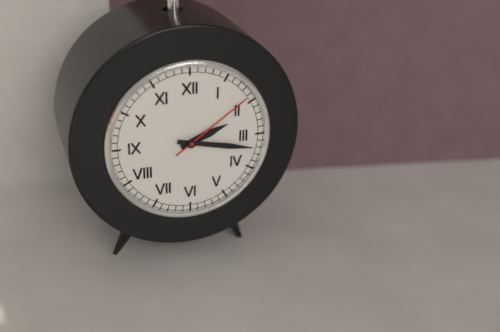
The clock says 2 h 17 min 09 s
